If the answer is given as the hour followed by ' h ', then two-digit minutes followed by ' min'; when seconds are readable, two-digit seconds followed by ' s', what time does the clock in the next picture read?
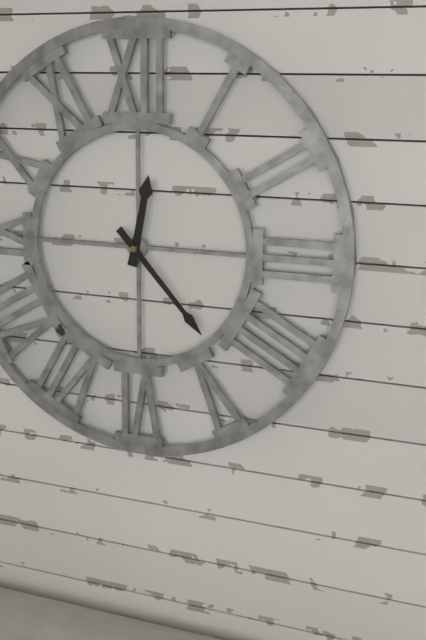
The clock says 12 h 23 min
